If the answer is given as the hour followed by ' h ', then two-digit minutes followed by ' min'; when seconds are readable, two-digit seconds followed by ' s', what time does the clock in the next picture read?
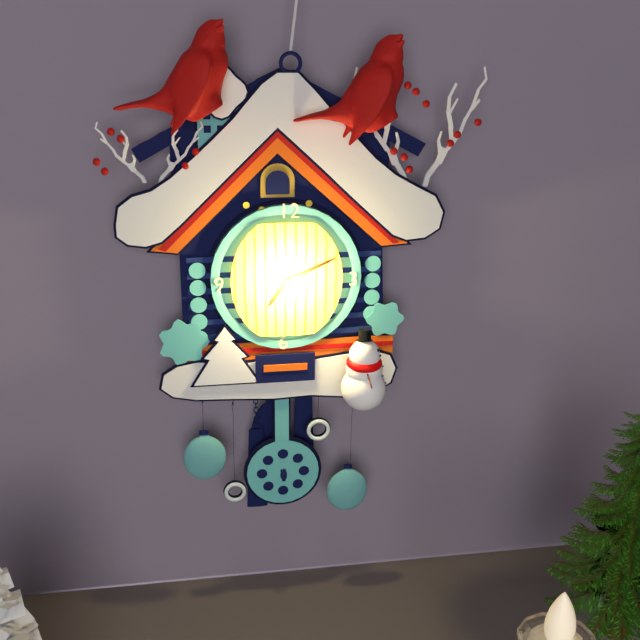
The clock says 7 h 11 min
